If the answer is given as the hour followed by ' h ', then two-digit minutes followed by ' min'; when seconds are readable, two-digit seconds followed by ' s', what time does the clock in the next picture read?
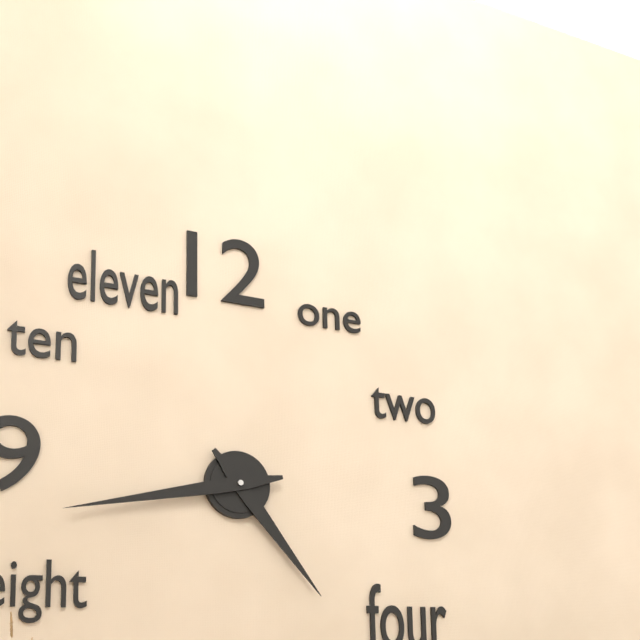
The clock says 4 h 43 min
